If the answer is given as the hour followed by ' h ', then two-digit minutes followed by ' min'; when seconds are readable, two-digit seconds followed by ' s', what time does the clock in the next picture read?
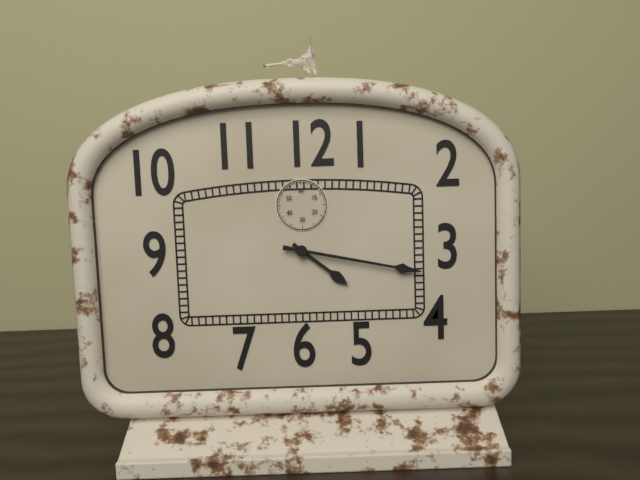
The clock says 4 h 17 min
